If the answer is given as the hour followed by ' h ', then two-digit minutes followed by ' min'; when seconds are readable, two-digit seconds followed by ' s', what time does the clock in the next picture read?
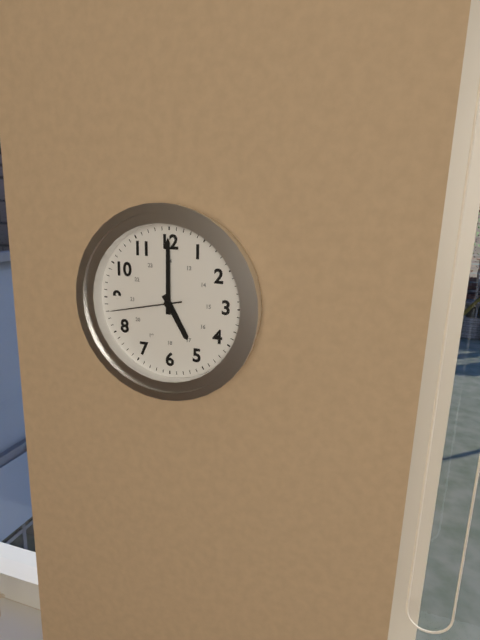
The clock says 5 h 00 min 43 s
